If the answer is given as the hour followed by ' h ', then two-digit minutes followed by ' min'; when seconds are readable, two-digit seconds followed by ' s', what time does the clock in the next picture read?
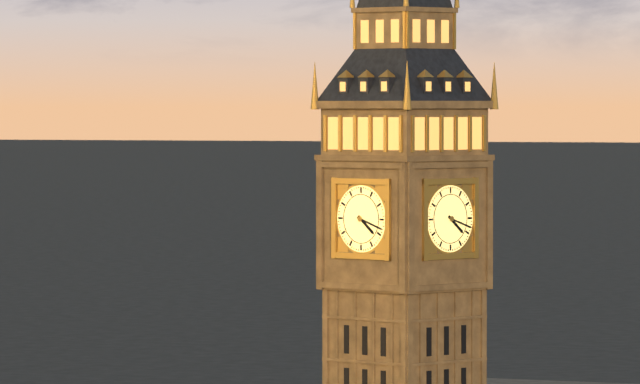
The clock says 4 h 18 min
